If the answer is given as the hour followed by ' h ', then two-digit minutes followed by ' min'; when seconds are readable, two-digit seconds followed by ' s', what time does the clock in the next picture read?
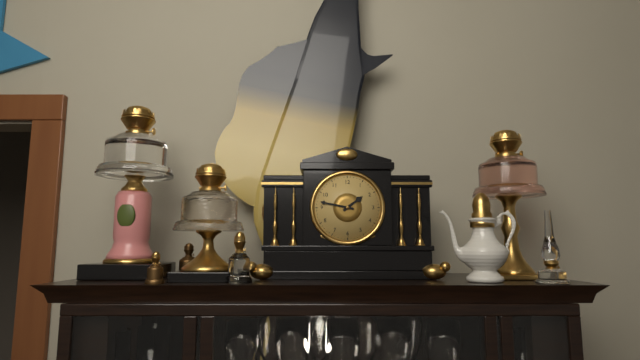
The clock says 1 h 47 min
